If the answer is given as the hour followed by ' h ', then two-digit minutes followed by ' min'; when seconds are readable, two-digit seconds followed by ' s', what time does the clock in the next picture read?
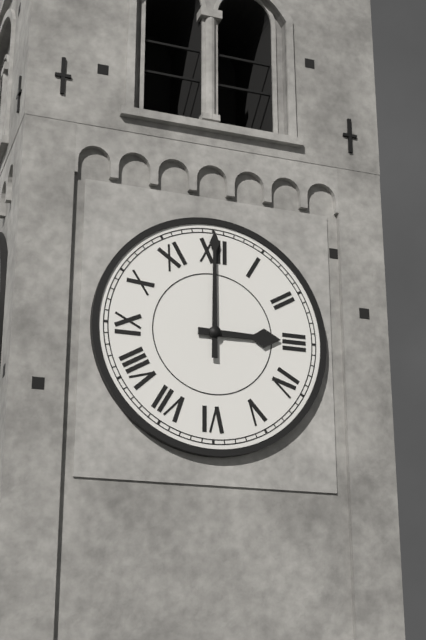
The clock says 3 h 00 min
